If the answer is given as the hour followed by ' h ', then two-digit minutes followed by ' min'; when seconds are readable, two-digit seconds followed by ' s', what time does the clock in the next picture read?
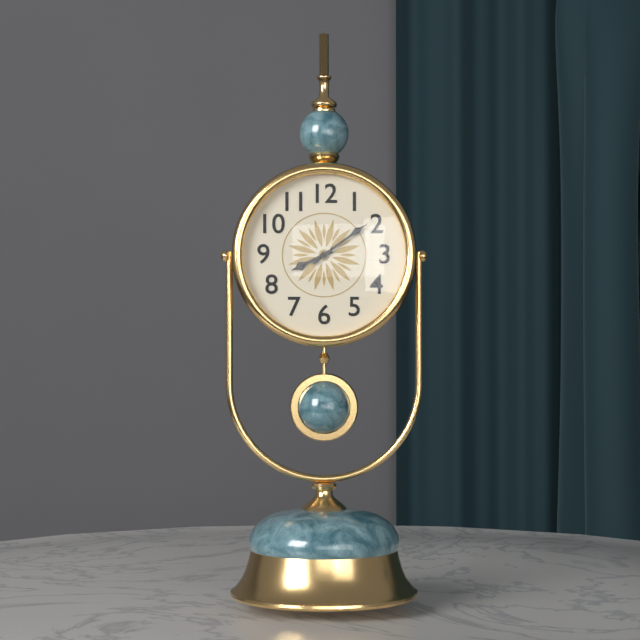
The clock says 8 h 09 min
